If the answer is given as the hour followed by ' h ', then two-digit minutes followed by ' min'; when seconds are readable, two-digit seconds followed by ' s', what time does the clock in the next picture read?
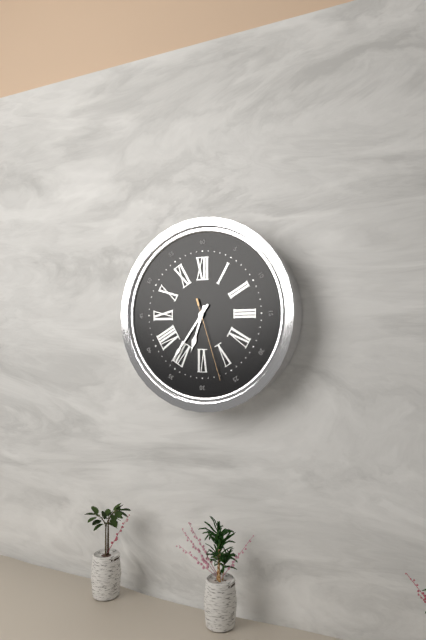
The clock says 6 h 36 min 27 s
